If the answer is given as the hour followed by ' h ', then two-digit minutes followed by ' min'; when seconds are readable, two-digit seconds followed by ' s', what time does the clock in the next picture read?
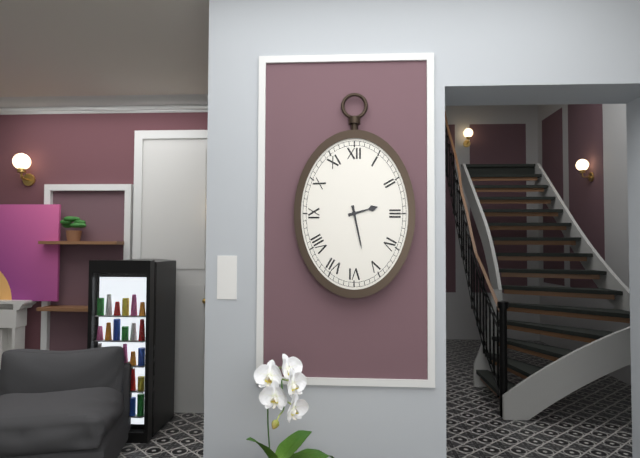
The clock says 2 h 28 min
